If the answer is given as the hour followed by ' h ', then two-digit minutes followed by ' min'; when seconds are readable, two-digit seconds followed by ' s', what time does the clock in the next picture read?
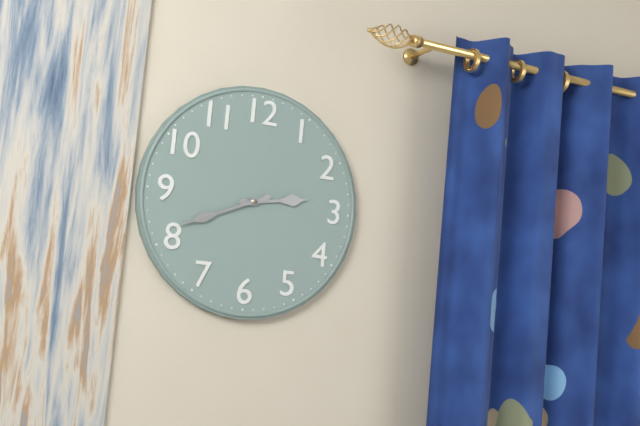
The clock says 2 h 41 min
